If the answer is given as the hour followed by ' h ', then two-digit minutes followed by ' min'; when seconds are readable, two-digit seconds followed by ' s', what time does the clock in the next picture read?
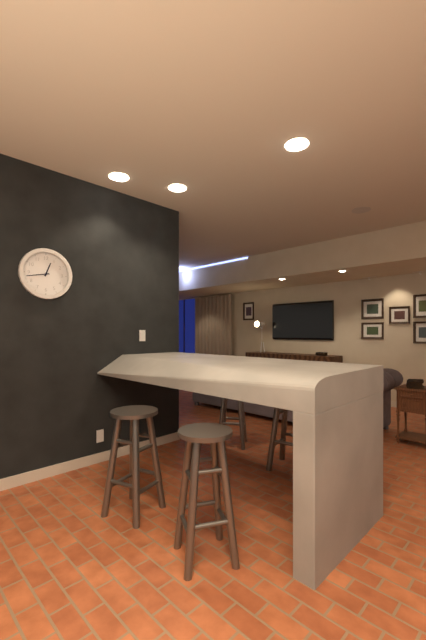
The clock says 12 h 43 min
